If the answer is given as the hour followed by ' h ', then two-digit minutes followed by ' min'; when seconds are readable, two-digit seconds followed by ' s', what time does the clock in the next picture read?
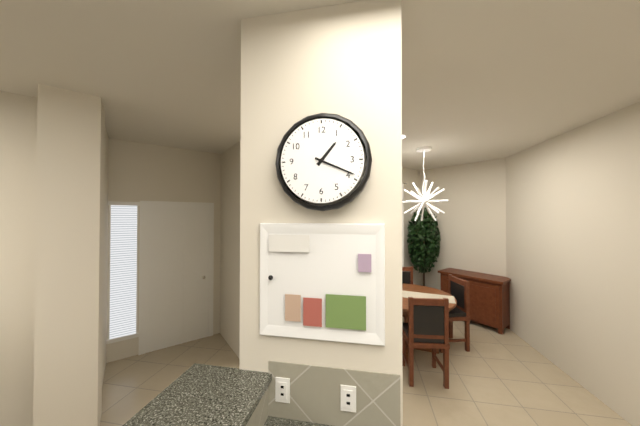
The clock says 1 h 19 min
